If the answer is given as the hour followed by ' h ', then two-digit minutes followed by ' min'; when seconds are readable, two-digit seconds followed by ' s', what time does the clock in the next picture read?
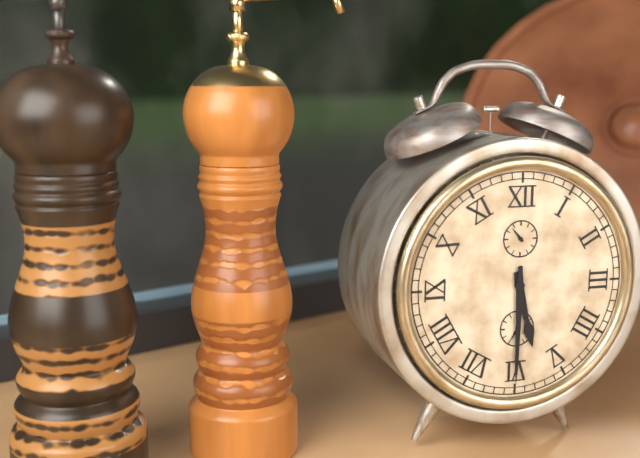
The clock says 5 h 30 min
